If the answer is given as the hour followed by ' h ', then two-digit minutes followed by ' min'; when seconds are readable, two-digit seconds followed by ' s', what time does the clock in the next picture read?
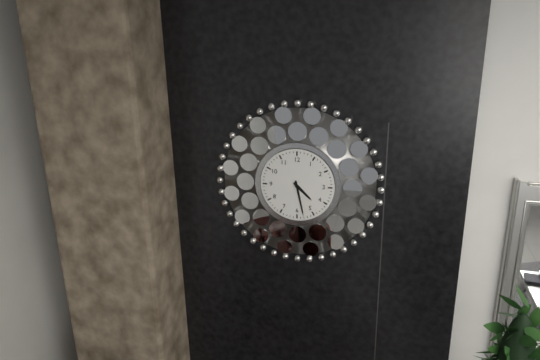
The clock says 4 h 28 min
